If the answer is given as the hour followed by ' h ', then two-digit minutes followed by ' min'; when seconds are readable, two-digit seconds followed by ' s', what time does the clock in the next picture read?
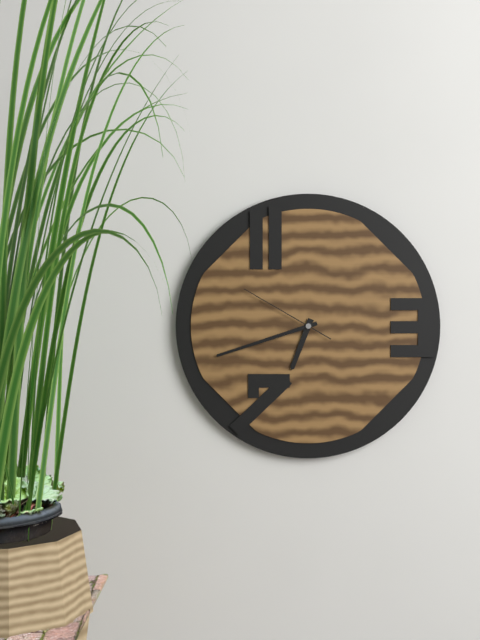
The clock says 6 h 42 min 50 s
